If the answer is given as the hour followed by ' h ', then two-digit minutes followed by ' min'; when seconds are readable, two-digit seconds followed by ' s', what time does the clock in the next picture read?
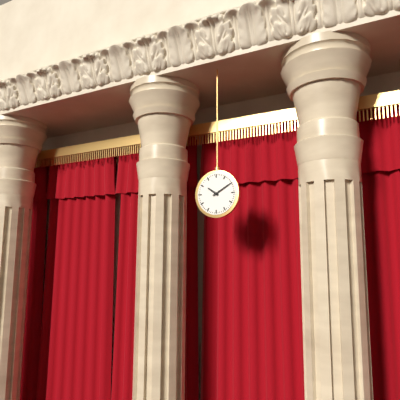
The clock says 10 h 10 min
